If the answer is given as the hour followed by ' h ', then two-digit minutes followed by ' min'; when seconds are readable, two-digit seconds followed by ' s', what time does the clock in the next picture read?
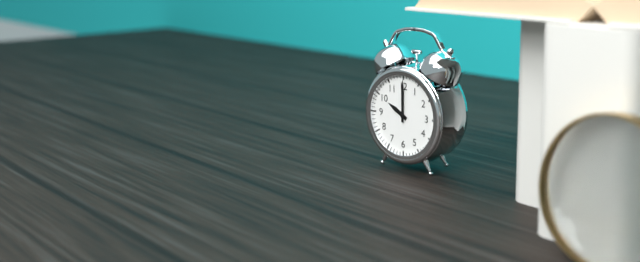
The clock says 10 h 00 min
